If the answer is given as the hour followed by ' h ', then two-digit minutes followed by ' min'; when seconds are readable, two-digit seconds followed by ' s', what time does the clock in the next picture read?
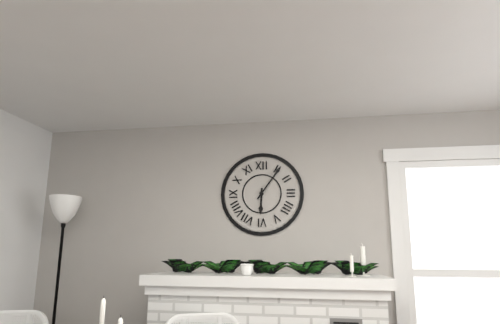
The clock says 6 h 06 min
